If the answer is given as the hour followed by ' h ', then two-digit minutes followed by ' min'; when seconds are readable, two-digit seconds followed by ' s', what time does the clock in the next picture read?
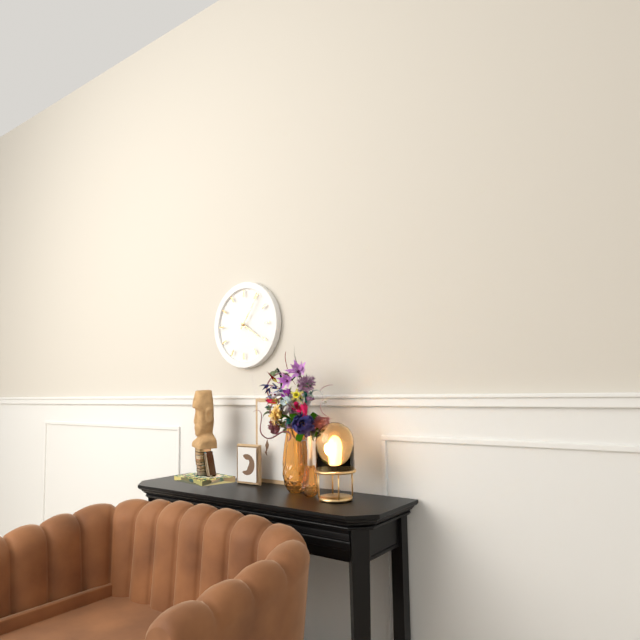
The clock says 4 h 06 min
